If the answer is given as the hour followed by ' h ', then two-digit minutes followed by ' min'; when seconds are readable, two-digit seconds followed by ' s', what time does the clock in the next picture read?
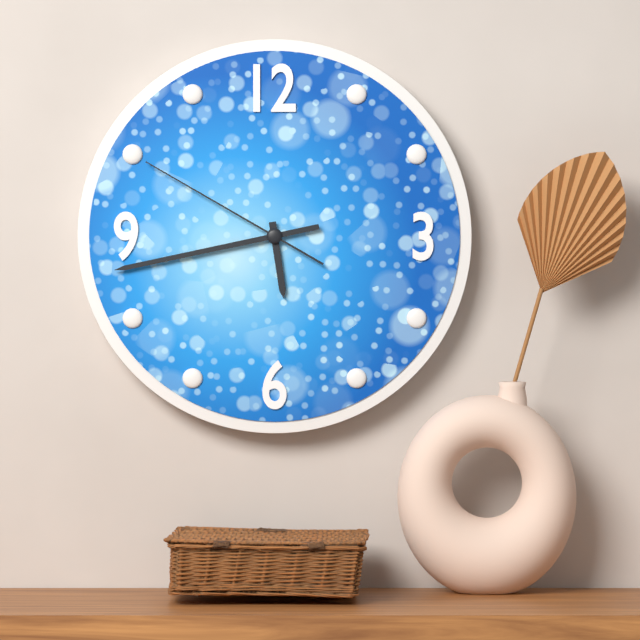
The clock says 5 h 43 min 50 s
